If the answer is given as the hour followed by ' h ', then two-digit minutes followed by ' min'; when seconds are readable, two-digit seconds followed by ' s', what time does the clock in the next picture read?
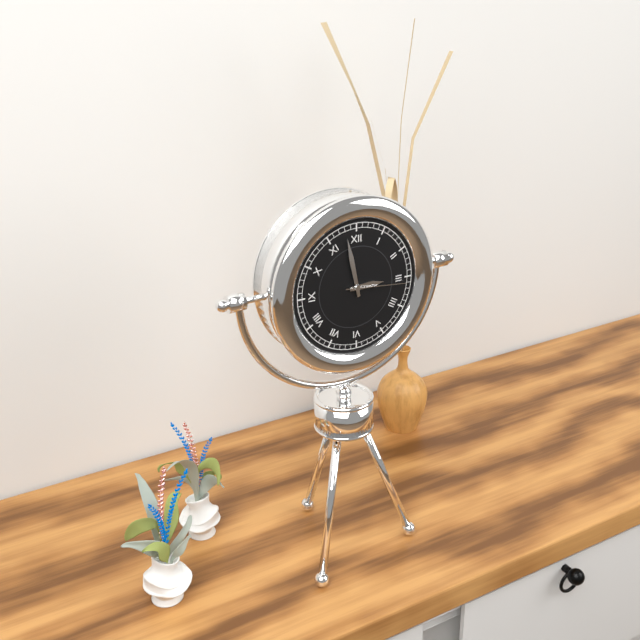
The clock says 2 h 58 min 16 s
